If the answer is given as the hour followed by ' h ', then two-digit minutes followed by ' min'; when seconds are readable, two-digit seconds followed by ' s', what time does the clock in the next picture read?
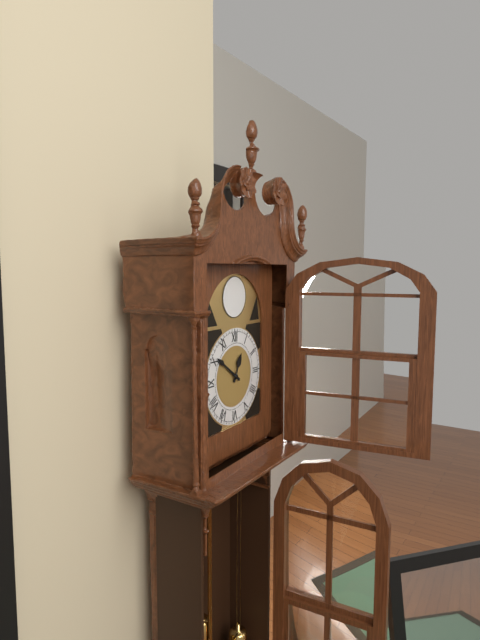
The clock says 12 h 51 min
